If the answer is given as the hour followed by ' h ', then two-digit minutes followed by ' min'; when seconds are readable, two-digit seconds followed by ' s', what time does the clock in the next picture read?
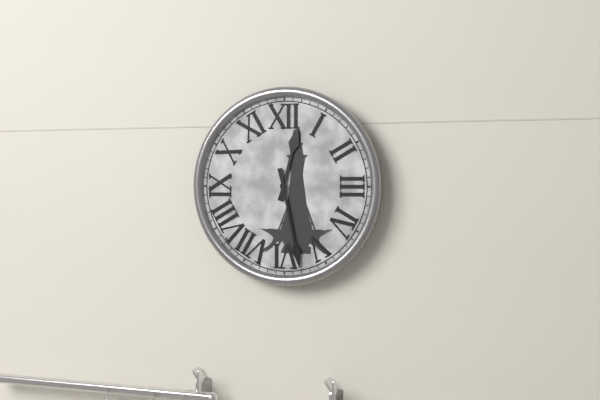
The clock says 12 h 28 min
